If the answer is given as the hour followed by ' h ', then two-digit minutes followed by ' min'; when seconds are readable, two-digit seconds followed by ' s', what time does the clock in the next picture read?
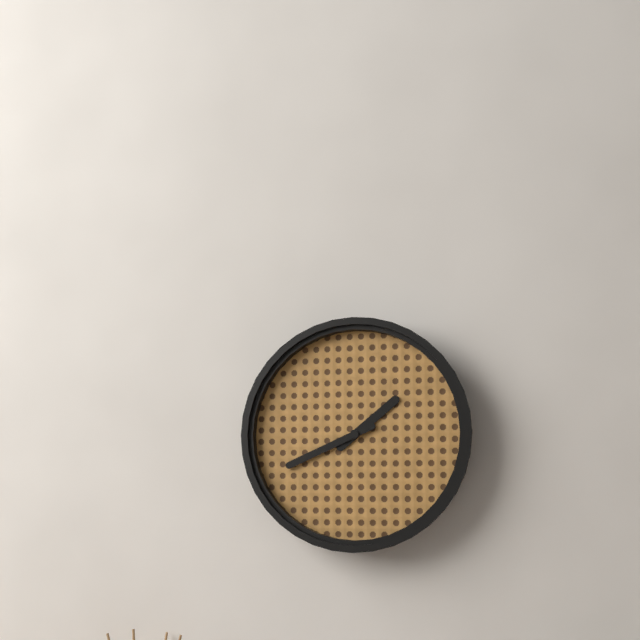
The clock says 1 h 41 min
